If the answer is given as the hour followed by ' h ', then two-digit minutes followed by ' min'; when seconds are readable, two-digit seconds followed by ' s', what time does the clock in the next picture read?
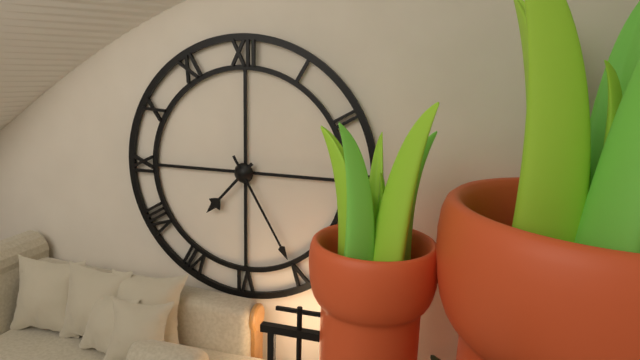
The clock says 7 h 25 min
